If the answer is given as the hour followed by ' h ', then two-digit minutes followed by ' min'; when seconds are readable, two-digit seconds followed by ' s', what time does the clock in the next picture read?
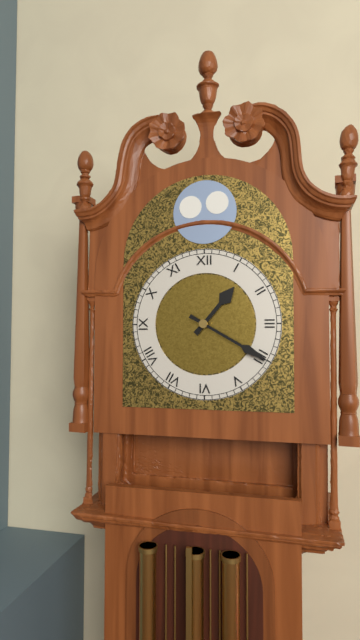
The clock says 1 h 20 min
